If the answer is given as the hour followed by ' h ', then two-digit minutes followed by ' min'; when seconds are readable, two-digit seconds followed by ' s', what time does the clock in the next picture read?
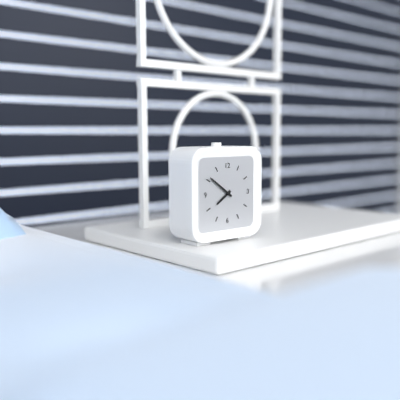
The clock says 7 h 51 min
